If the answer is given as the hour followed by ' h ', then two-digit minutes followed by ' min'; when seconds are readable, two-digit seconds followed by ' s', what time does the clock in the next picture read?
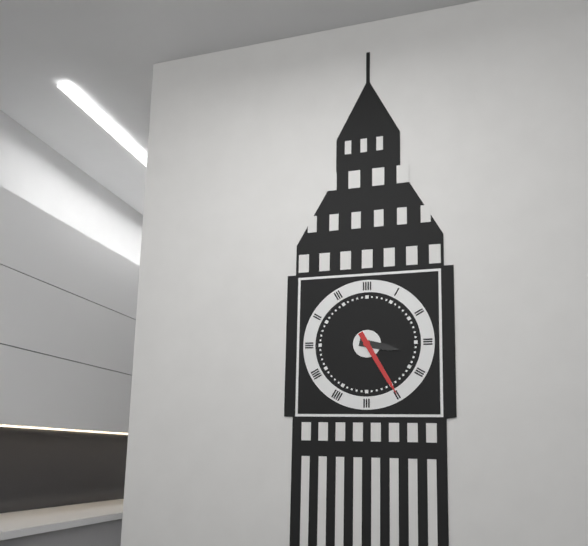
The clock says 3 h 25 min
